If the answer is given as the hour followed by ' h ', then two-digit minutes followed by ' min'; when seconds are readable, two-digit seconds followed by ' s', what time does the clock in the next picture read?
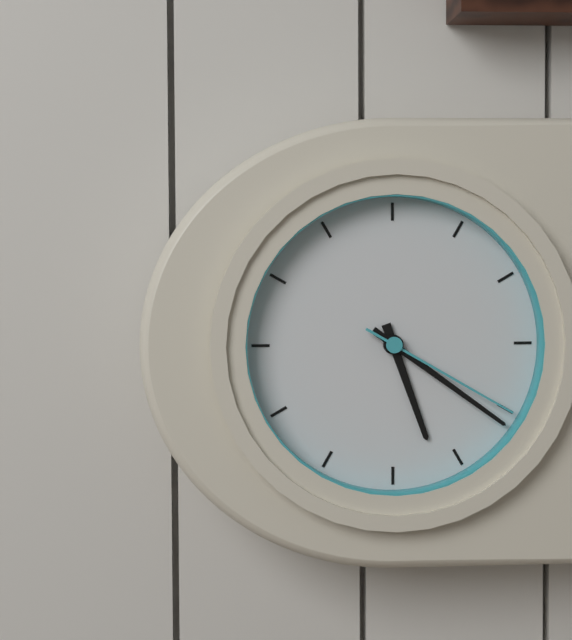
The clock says 5 h 21 min 20 s
